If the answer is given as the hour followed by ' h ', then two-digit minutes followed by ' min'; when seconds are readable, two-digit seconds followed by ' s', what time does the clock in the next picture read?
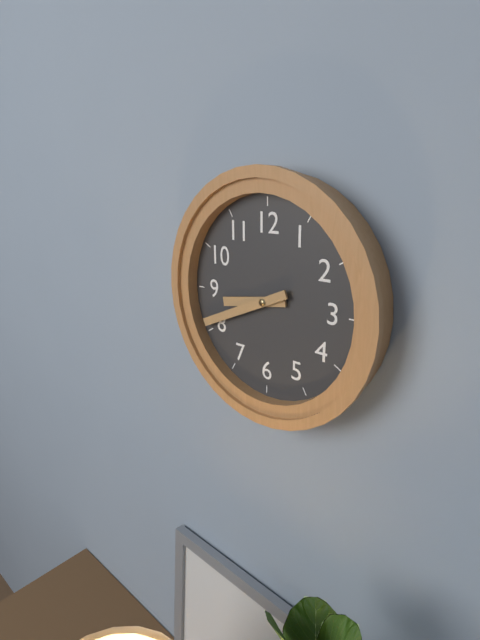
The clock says 8 h 41 min
